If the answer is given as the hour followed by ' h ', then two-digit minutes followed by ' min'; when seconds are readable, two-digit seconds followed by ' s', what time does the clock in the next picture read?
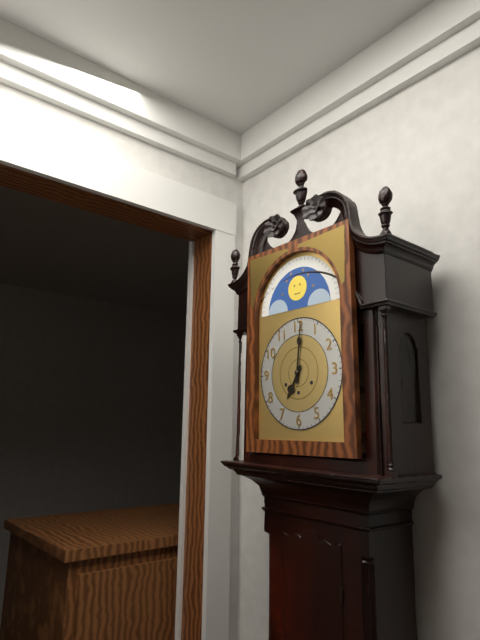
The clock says 7 h 01 min
